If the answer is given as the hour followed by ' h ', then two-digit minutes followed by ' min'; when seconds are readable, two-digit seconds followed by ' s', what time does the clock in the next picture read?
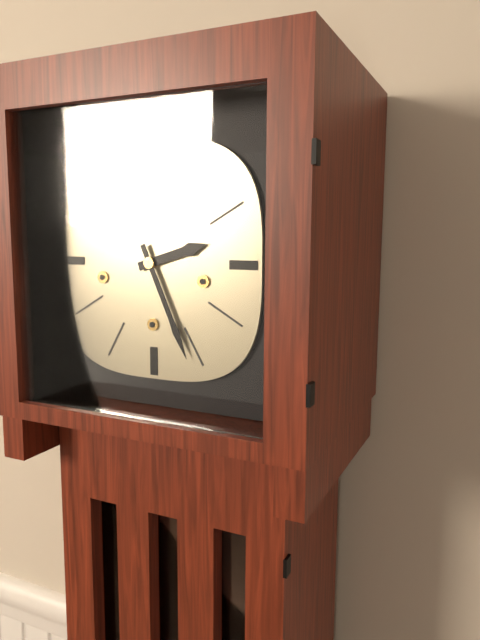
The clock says 2 h 26 min
